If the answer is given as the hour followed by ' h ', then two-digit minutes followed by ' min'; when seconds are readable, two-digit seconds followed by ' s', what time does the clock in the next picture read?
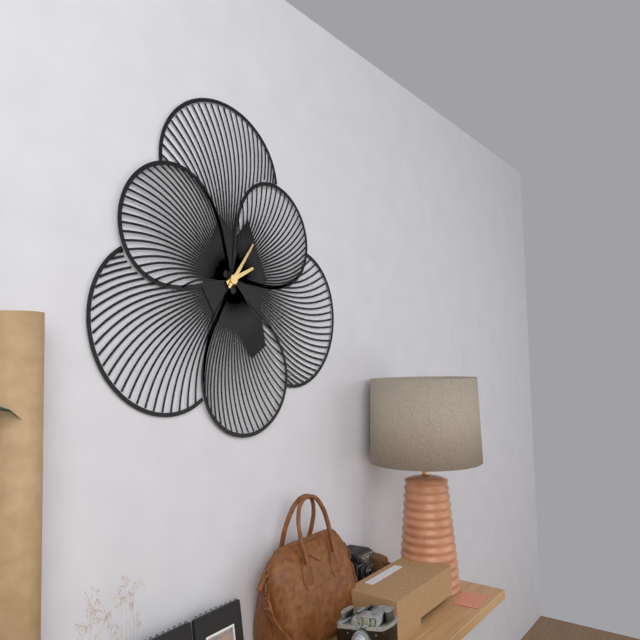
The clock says 2 h 06 min
